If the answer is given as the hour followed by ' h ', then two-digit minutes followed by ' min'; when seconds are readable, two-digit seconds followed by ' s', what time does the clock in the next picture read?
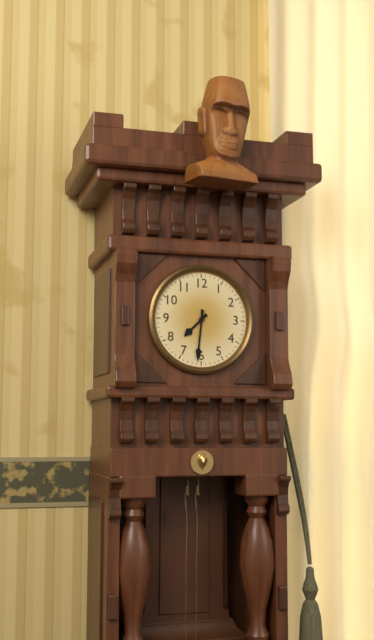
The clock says 7 h 31 min
